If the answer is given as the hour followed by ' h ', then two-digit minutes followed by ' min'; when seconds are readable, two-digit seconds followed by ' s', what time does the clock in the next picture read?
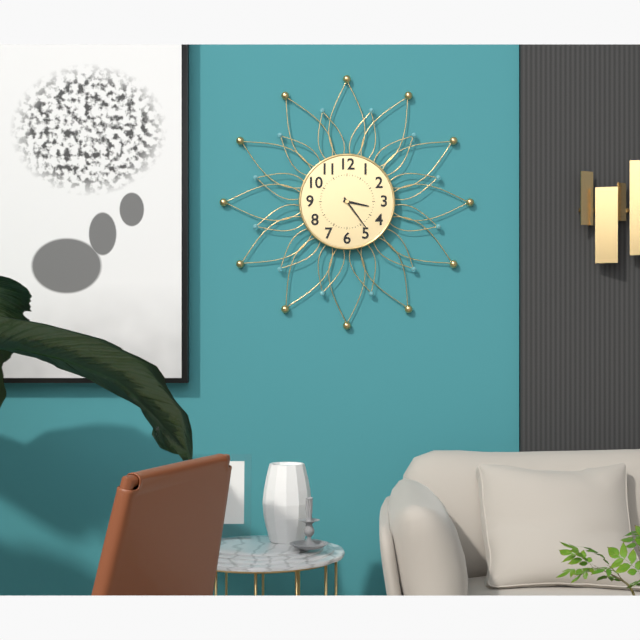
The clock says 3 h 24 min
